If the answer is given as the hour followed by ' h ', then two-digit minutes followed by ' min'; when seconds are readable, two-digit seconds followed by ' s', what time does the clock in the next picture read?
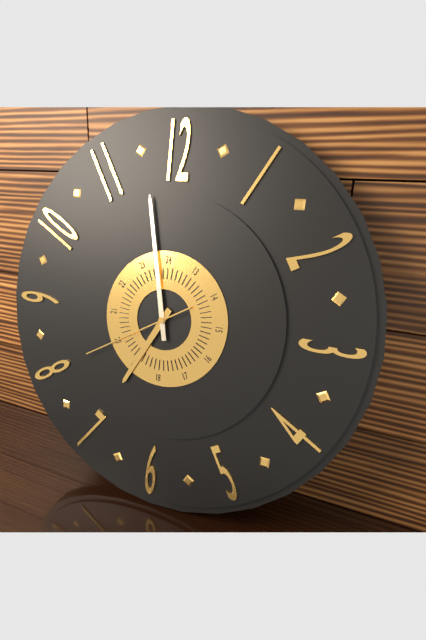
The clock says 6 h 58 min 40 s
